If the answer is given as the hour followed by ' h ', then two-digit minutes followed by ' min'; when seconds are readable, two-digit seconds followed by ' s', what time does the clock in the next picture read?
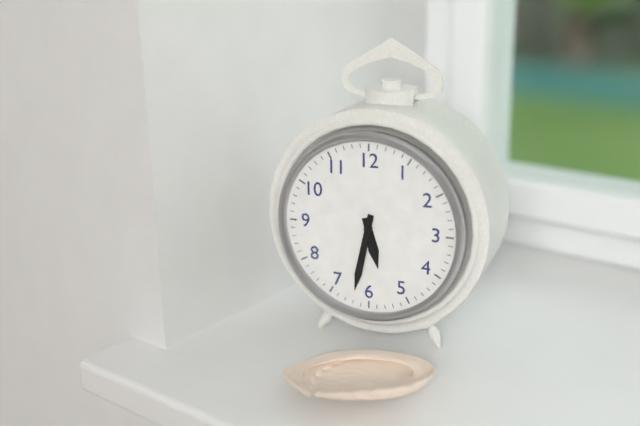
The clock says 5 h 32 min
